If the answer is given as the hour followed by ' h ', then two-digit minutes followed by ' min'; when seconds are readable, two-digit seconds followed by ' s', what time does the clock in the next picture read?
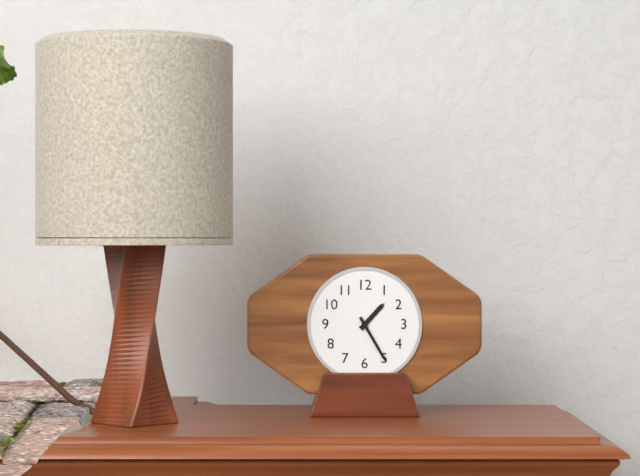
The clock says 1 h 25 min
